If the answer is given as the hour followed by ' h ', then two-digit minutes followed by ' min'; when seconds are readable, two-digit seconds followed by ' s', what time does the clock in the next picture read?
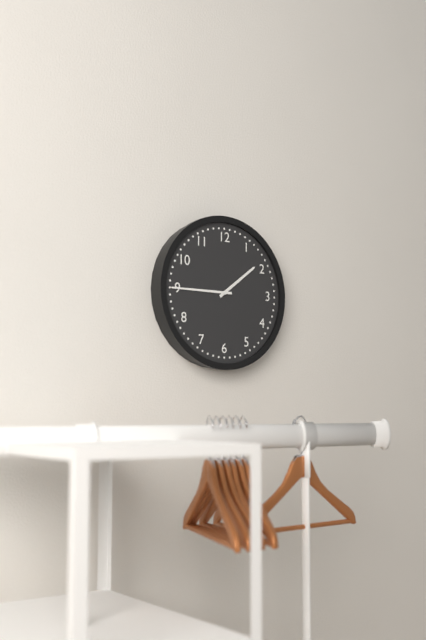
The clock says 1 h 45 min
